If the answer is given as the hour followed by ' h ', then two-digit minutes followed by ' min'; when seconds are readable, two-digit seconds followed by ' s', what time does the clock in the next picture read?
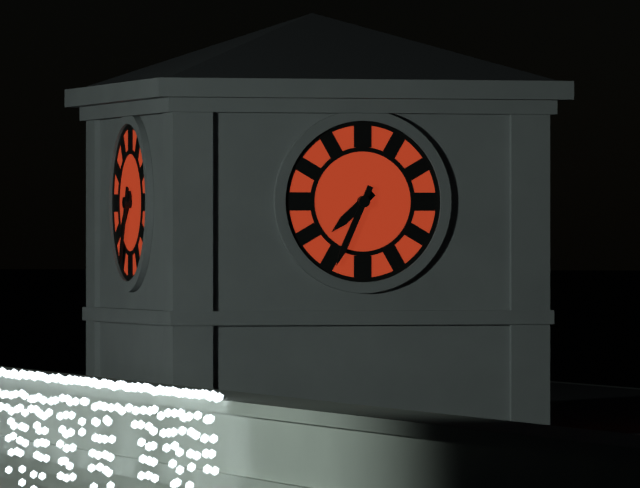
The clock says 7 h 34 min
